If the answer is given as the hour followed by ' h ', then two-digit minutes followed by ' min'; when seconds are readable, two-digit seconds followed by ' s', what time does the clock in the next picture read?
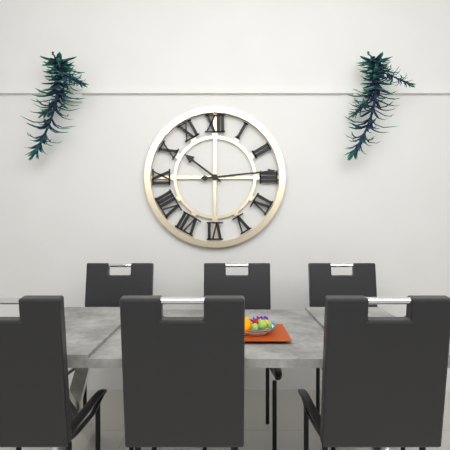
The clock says 10 h 14 min
